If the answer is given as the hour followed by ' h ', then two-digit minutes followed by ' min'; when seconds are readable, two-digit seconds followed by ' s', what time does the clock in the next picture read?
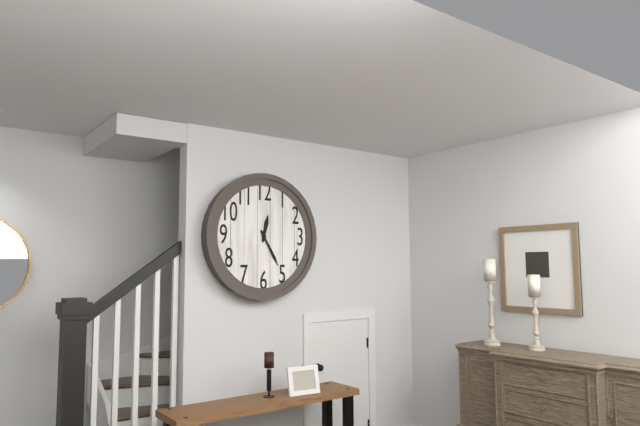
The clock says 12 h 25 min
